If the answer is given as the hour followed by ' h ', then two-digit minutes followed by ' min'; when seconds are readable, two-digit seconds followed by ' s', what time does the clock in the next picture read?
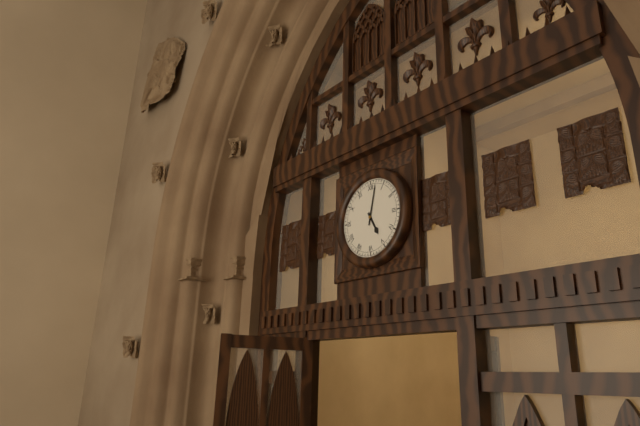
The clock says 5 h 02 min
